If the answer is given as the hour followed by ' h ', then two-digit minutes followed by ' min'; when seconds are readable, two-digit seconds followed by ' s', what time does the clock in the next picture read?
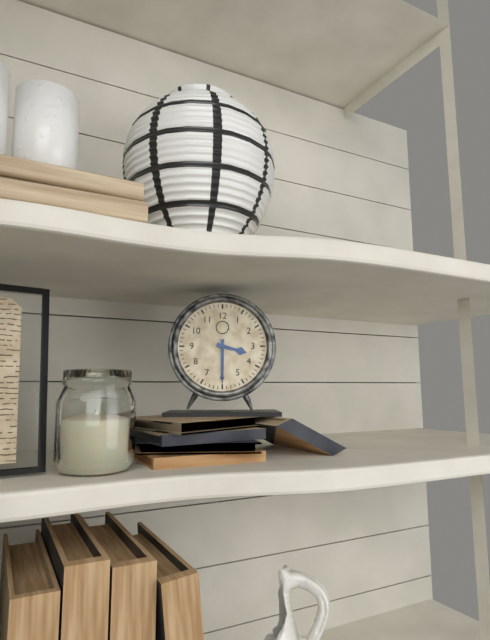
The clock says 3 h 30 min
